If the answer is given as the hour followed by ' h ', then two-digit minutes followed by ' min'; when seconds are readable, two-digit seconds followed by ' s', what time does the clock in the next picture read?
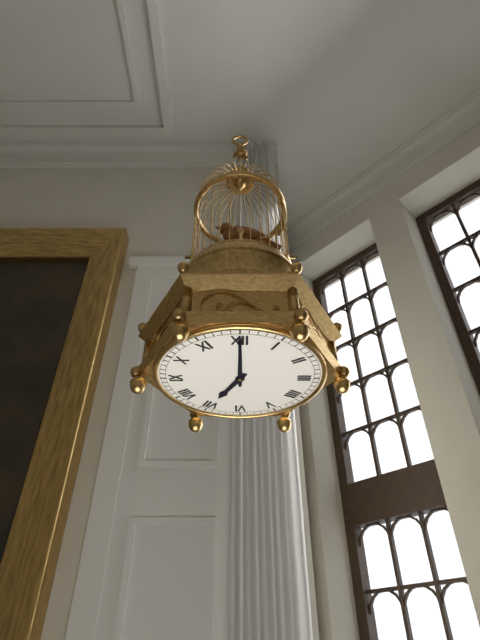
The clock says 7 h 00 min
